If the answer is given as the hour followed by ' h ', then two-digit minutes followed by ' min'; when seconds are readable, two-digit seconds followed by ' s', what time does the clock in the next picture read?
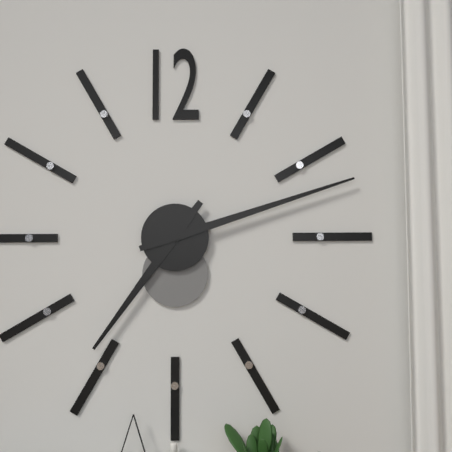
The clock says 7 h 12 min
